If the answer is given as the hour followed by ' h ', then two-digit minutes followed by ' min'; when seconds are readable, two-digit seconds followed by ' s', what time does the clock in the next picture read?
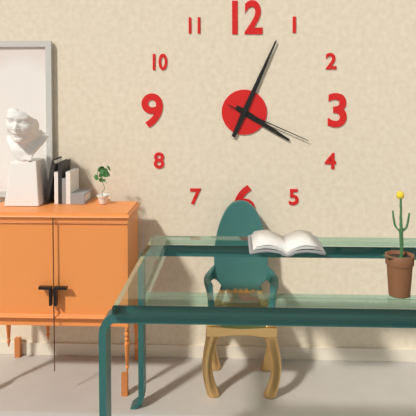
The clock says 4 h 04 min 19 s
